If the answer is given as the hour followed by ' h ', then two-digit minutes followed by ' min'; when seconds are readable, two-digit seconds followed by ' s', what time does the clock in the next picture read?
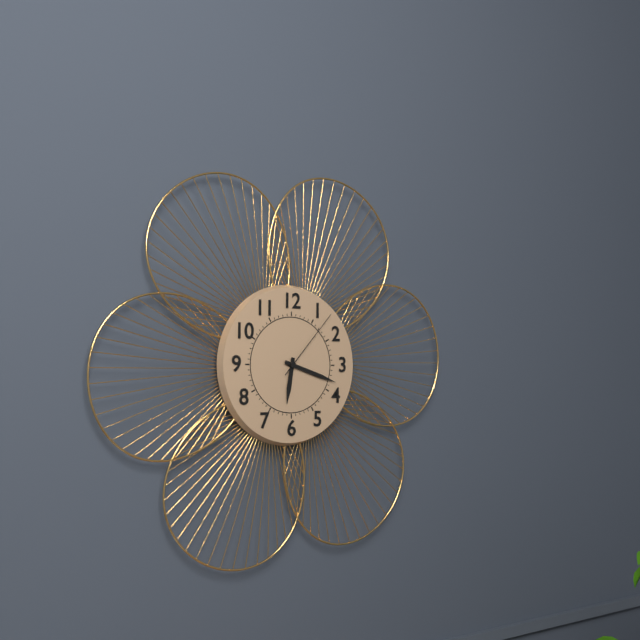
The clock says 6 h 18 min 07 s
